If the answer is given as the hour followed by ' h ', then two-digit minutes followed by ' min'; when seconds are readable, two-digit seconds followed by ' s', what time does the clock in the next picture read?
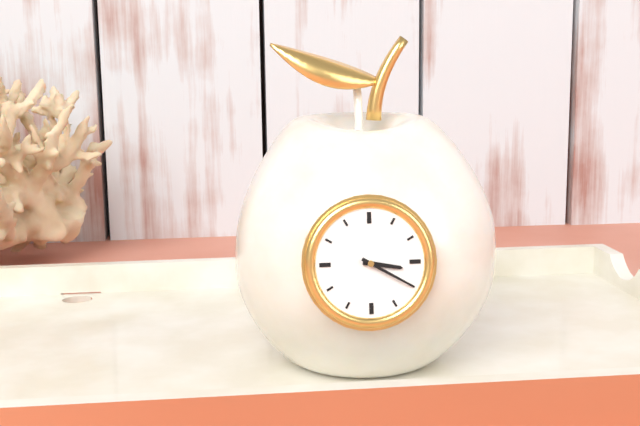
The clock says 3 h 20 min
